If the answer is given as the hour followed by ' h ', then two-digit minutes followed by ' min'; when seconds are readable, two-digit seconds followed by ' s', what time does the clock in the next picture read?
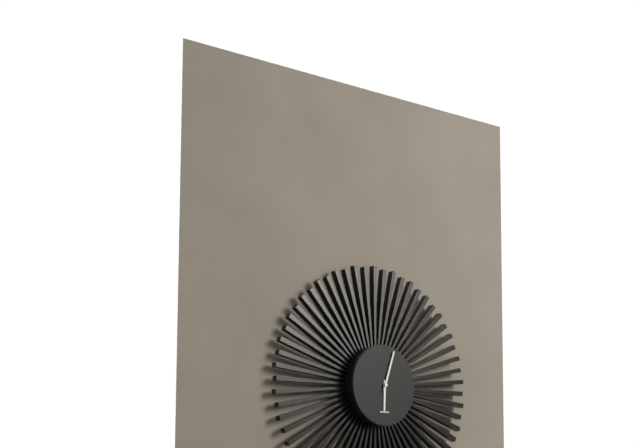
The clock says 6 h 03 min
